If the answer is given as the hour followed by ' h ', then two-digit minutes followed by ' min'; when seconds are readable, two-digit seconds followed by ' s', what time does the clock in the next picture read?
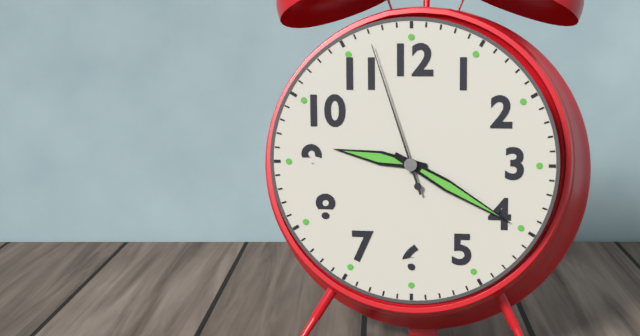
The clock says 9 h 20 min 57 s
